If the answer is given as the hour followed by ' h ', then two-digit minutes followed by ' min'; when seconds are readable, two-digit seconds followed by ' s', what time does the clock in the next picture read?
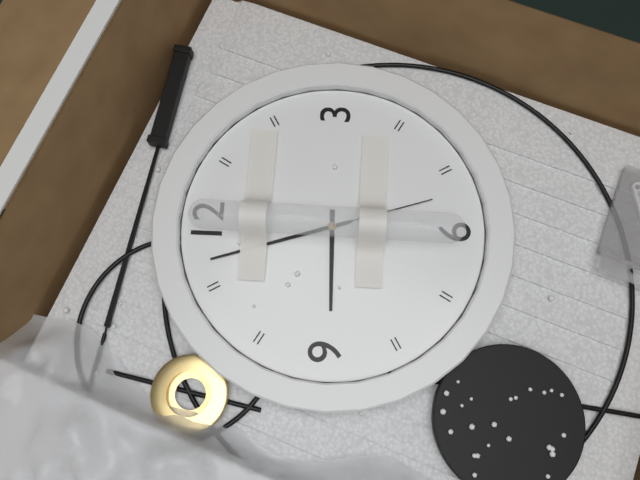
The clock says 8 h 57 min 27 s
